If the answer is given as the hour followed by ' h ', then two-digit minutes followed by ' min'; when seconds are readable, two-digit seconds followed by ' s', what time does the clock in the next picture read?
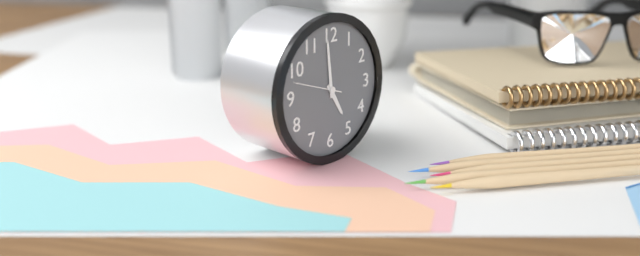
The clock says 4 h 59 min 48 s
